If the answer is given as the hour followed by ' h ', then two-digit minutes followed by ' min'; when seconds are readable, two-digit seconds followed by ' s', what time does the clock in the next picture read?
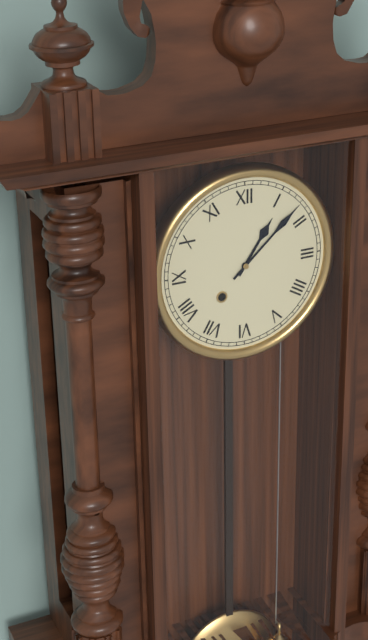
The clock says 1 h 08 min
